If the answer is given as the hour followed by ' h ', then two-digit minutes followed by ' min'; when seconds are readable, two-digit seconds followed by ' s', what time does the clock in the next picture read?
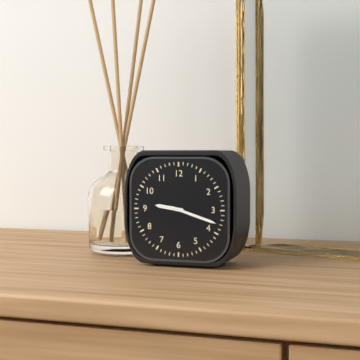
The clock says 9 h 18 min
